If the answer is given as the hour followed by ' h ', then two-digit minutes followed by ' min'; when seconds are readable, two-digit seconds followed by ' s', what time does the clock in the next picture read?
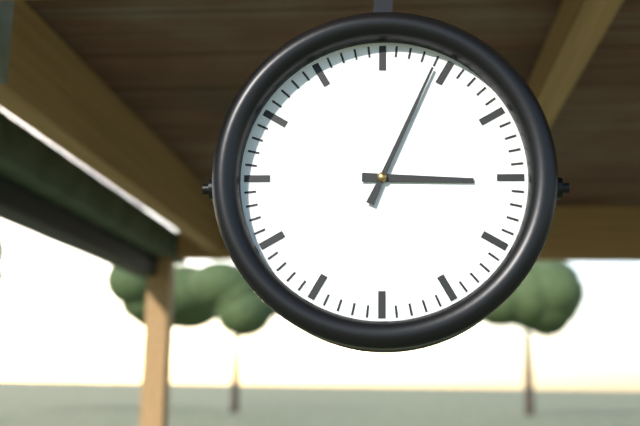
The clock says 3 h 04 min
